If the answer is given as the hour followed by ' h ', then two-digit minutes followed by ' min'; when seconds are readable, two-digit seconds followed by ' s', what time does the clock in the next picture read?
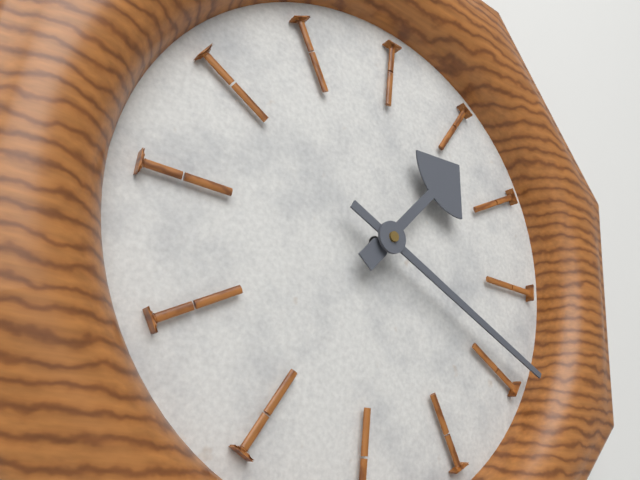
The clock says 1 h 19 min
